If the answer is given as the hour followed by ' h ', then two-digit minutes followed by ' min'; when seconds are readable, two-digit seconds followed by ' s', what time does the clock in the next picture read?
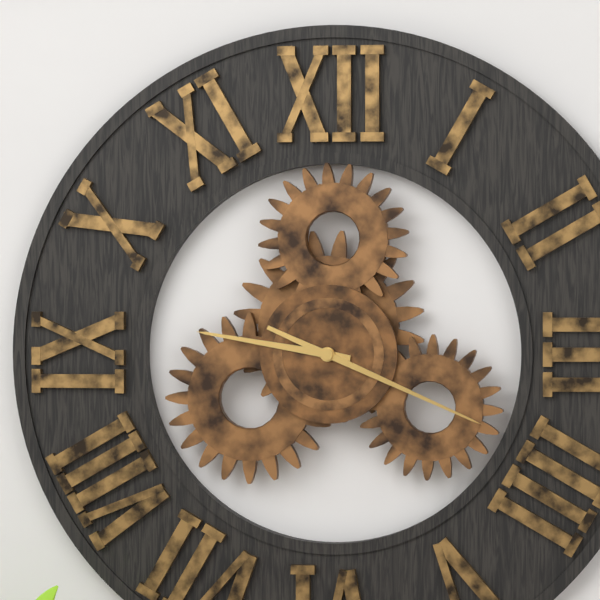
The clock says 9 h 19 min
